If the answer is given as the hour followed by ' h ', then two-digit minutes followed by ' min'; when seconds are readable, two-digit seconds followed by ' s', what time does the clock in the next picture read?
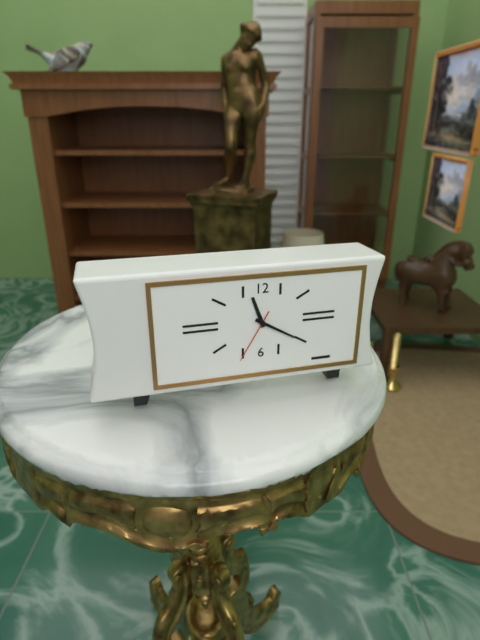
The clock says 11 h 20 min 35 s
